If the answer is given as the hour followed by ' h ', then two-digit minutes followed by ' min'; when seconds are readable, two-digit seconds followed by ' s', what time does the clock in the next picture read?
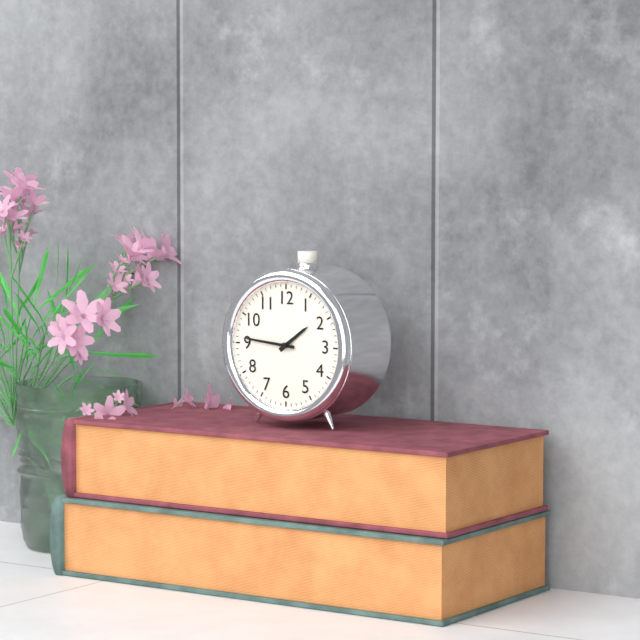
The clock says 1 h 46 min
